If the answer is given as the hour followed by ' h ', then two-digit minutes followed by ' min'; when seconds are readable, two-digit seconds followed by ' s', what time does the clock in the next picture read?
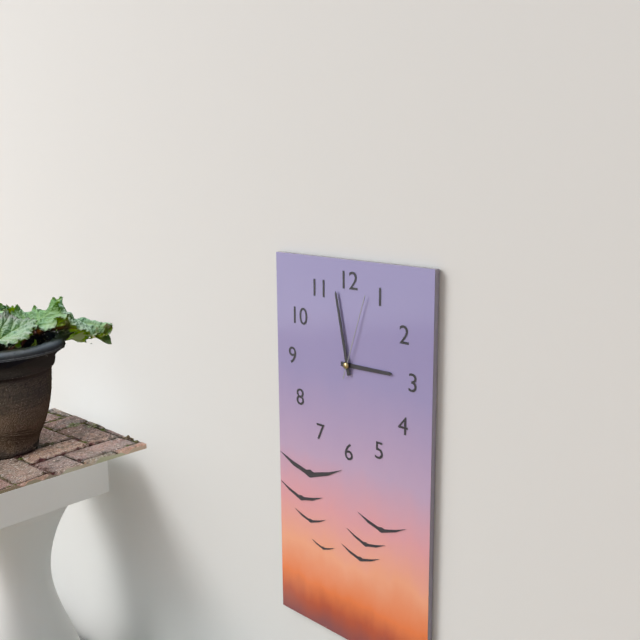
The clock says 2 h 58 min 03 s
